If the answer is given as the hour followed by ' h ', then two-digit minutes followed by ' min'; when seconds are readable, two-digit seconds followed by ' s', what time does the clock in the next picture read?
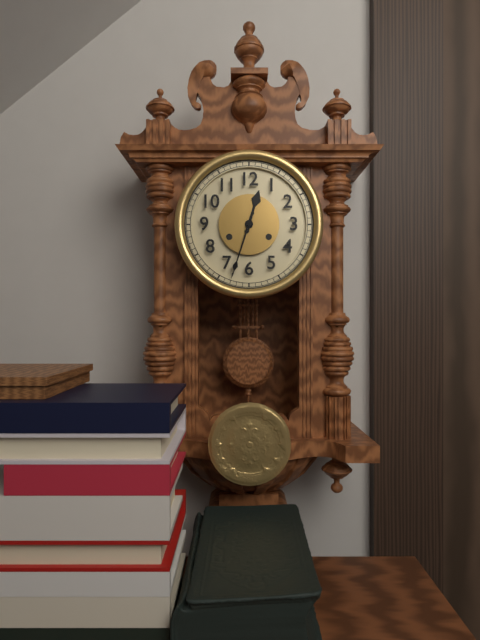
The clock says 12 h 33 min
